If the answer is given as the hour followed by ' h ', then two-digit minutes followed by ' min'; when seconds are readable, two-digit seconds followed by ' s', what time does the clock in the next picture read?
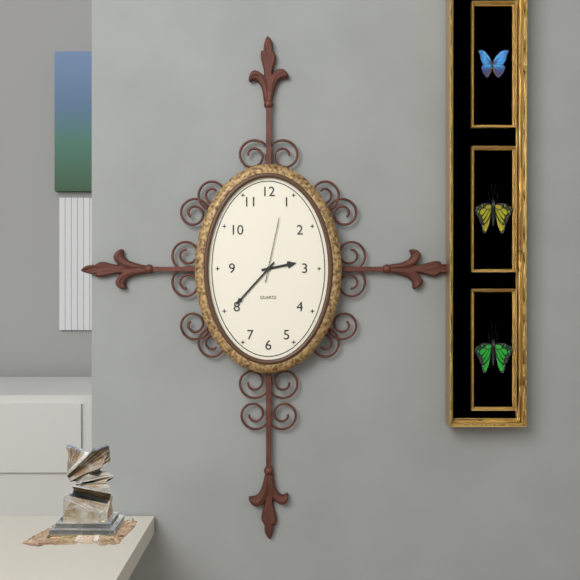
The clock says 2 h 37 min 02 s
